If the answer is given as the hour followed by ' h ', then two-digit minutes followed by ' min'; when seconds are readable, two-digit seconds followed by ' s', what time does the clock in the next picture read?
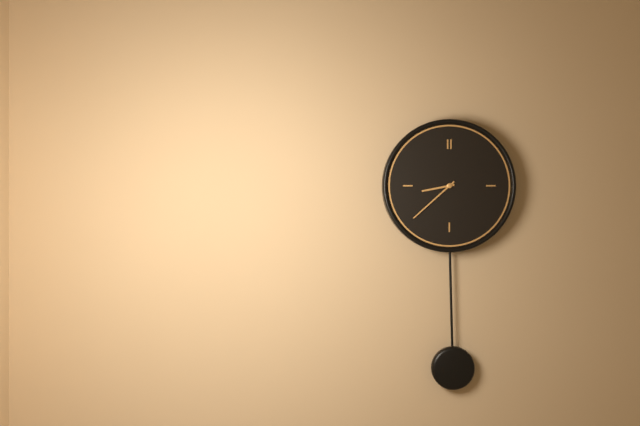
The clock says 8 h 38 min
